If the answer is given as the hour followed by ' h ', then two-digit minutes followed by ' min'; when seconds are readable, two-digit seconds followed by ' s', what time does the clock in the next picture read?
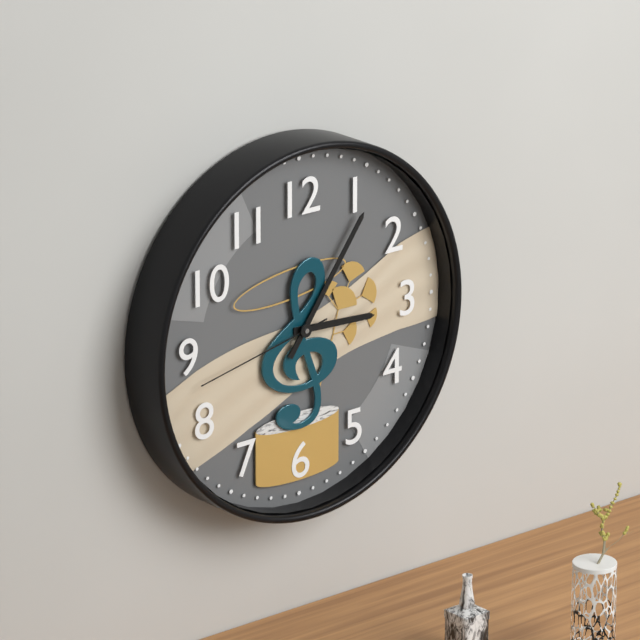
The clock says 3 h 06 min 43 s
